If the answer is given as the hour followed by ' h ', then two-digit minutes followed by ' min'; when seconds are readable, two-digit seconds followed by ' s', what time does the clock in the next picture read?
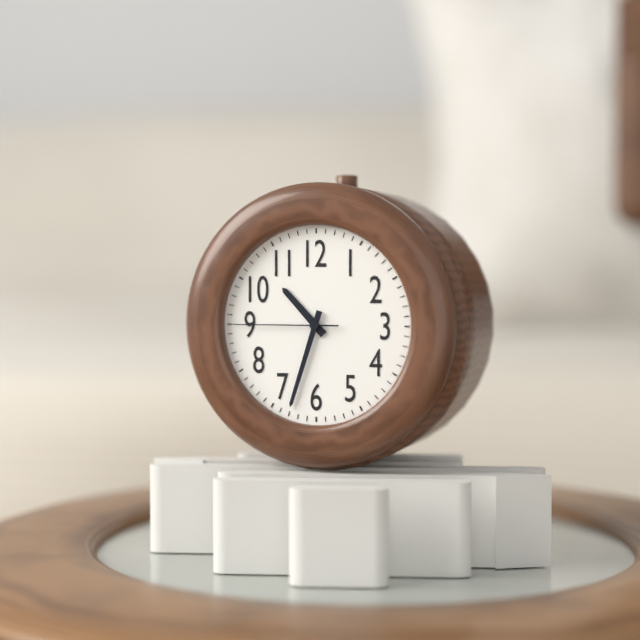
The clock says 10 h 33 min 45 s
